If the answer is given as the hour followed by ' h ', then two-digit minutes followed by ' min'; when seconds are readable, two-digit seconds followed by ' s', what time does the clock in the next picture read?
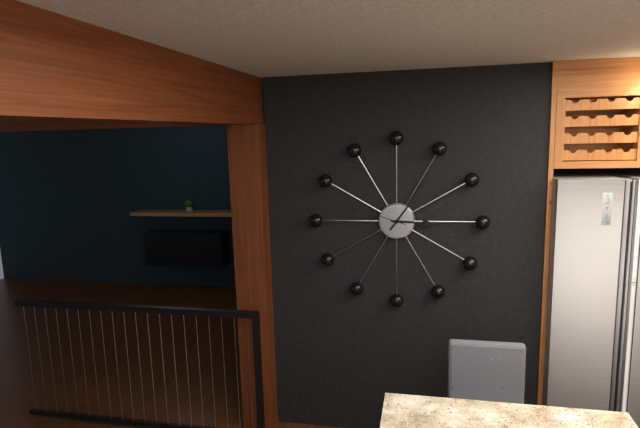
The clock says 3 h 06 min 48 s
